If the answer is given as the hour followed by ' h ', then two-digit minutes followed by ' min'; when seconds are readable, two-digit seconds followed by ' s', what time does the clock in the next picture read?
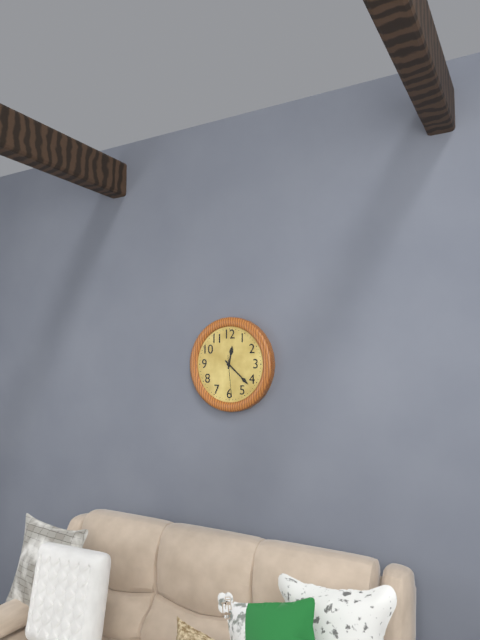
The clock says 12 h 22 min
